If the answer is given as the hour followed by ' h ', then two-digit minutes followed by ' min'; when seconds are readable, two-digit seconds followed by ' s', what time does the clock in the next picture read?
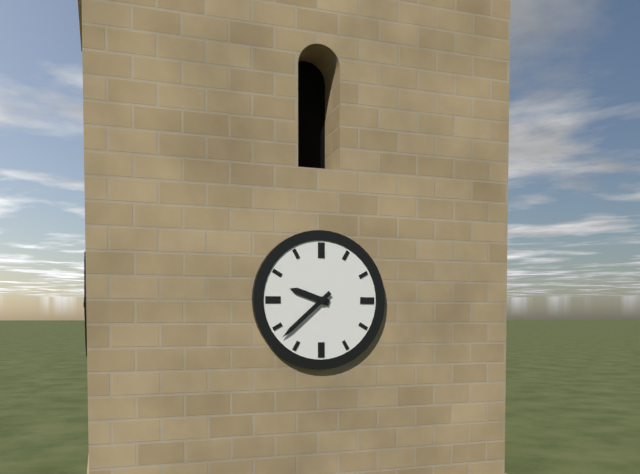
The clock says 9 h 38 min
